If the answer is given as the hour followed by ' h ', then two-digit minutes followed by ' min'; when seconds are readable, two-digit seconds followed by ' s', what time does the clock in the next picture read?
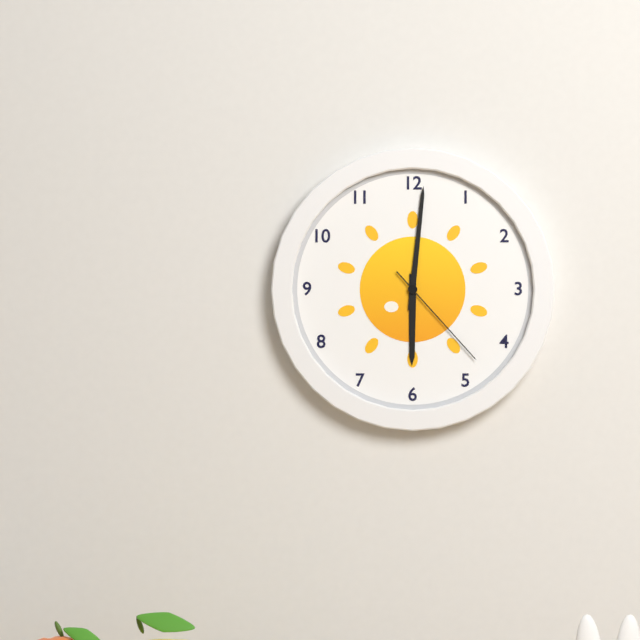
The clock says 6 h 01 min 23 s
